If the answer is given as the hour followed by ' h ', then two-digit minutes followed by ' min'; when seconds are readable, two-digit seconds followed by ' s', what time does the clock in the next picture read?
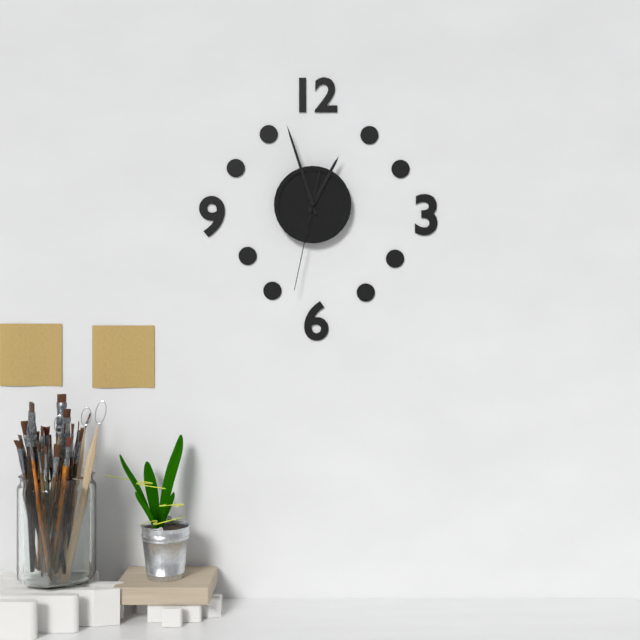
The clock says 12 h 57 min 32 s
